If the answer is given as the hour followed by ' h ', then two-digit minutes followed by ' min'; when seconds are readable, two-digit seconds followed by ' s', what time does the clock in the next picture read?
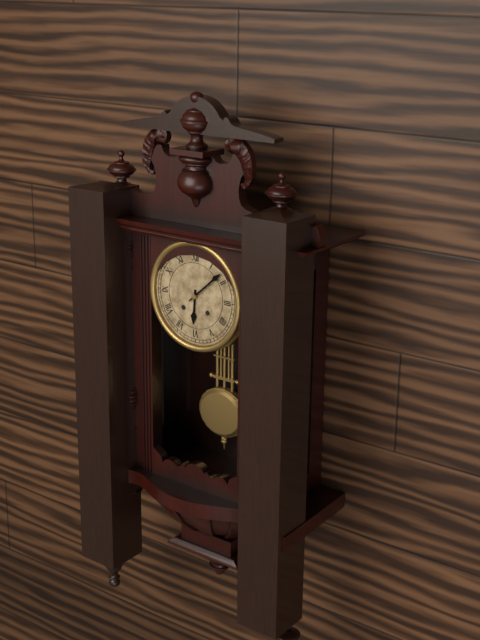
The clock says 6 h 08 min
